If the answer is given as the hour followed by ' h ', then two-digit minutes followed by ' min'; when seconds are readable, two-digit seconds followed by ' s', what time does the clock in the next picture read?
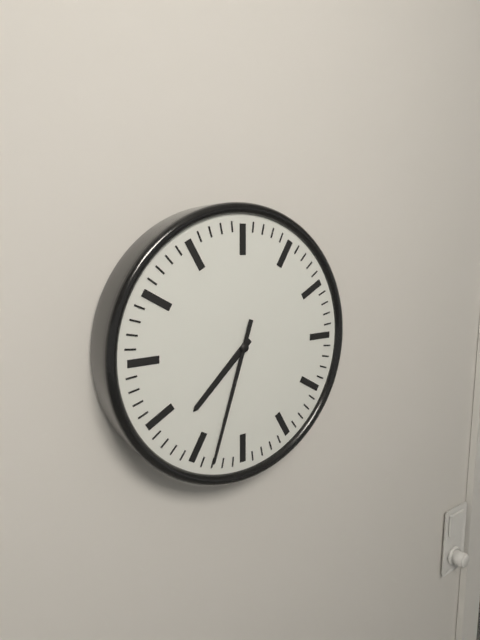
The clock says 7 h 33 min
